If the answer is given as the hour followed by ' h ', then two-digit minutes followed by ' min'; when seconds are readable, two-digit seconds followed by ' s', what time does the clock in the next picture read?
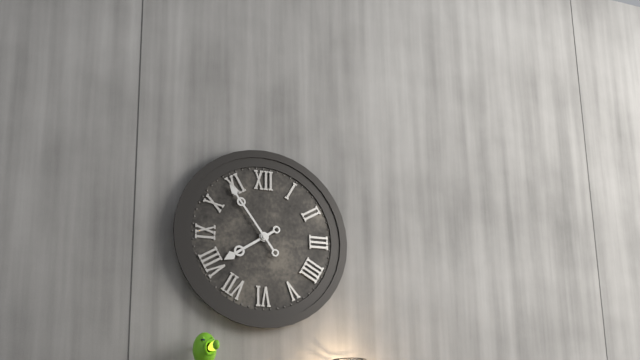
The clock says 7 h 54 min
